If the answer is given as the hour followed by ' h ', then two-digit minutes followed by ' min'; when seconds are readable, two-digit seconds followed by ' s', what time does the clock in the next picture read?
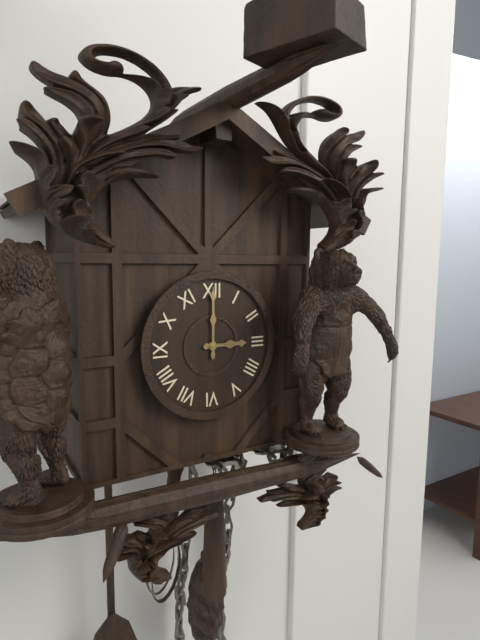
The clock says 3 h 00 min
